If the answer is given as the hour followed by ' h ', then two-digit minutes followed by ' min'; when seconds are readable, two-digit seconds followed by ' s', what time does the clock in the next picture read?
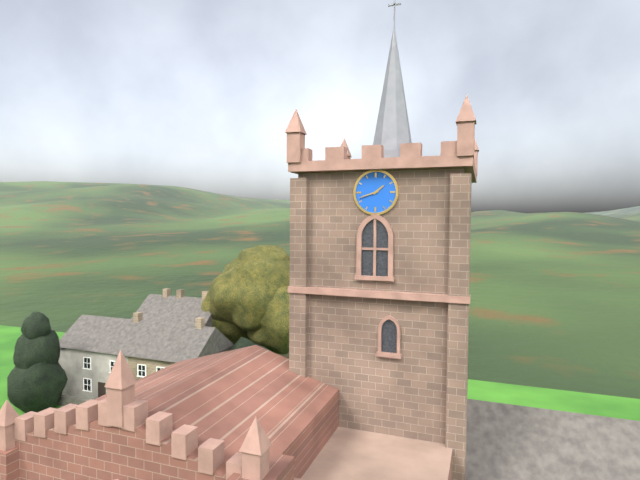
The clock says 1 h 42 min
